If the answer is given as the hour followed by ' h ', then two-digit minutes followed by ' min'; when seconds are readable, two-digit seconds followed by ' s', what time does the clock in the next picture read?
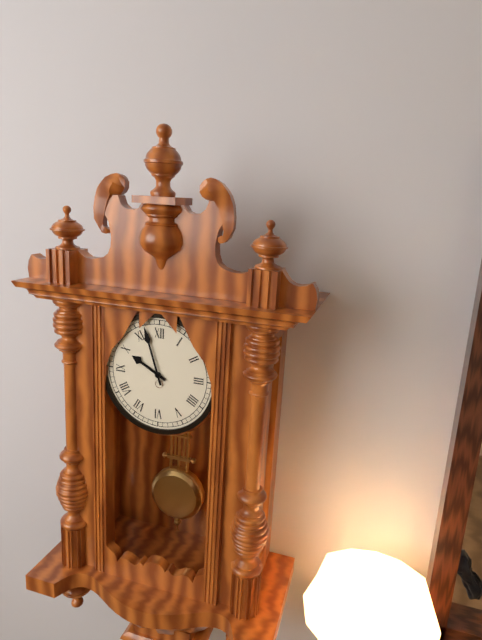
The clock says 9 h 57 min
